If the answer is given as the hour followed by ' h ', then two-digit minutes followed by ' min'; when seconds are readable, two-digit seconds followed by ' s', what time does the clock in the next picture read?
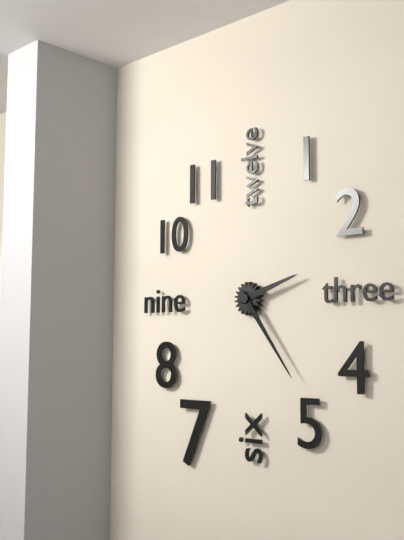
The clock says 2 h 24 min
